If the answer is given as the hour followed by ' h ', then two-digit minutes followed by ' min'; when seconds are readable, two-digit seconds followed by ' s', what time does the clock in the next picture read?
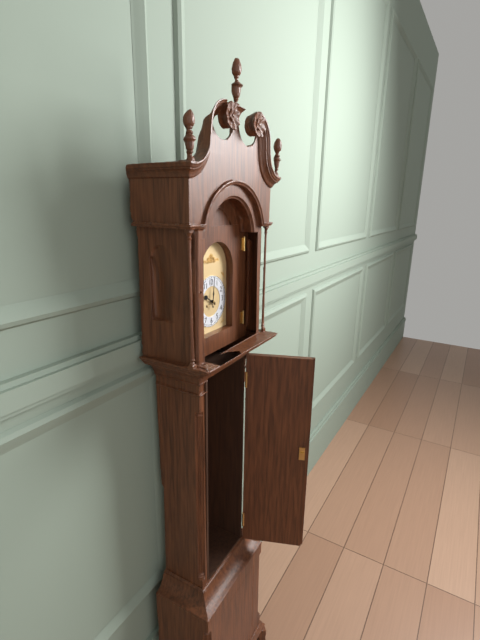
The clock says 10 h 01 min
